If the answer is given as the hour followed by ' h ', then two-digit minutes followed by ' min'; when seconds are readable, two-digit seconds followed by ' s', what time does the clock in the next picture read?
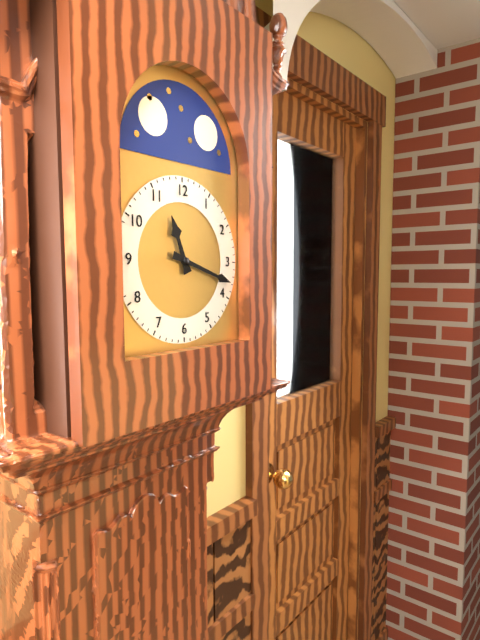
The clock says 11 h 18 min
